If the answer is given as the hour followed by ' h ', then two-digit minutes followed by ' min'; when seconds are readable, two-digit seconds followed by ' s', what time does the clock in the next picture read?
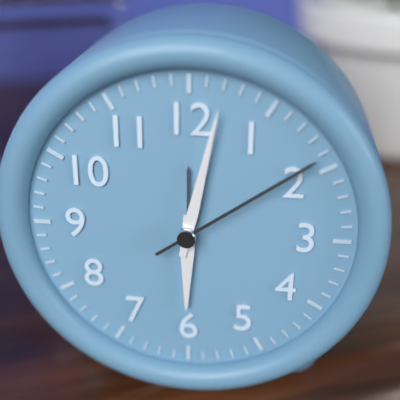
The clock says 6 h 02 min 09 s
